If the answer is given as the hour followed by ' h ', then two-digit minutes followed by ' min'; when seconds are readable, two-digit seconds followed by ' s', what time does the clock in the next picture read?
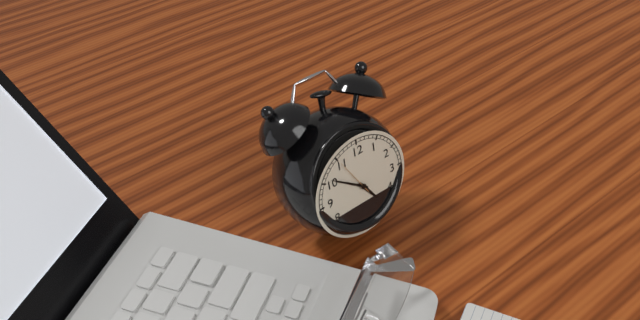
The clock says 4 h 51 min
